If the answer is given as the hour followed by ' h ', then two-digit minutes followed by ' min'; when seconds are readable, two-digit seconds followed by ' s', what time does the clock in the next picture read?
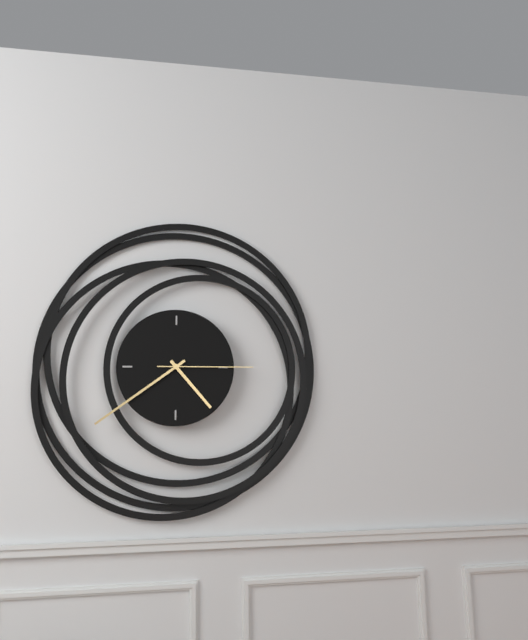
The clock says 4 h 39 min 15 s
